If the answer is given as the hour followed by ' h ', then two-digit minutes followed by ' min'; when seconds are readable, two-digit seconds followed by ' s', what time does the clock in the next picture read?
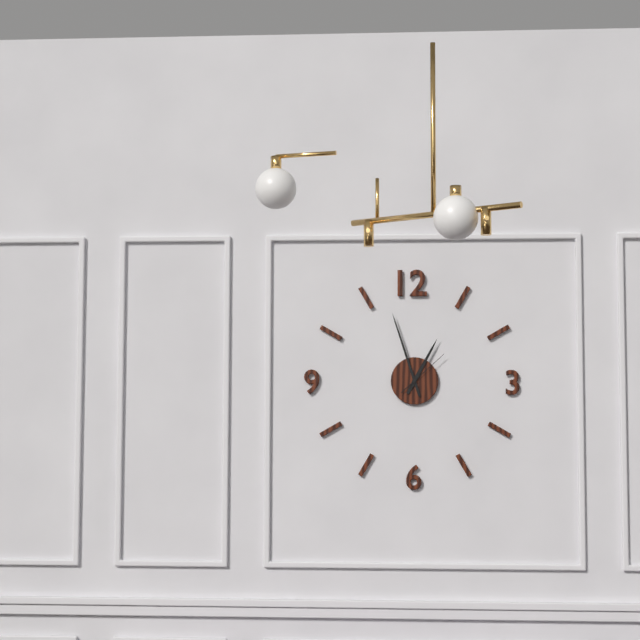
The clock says 12 h 57 min
